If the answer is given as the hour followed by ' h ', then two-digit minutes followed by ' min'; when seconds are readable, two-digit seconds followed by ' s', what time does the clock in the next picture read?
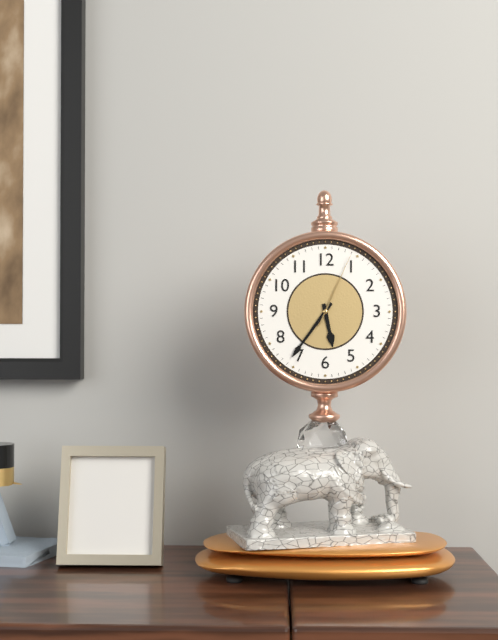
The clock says 5 h 36 min 04 s
